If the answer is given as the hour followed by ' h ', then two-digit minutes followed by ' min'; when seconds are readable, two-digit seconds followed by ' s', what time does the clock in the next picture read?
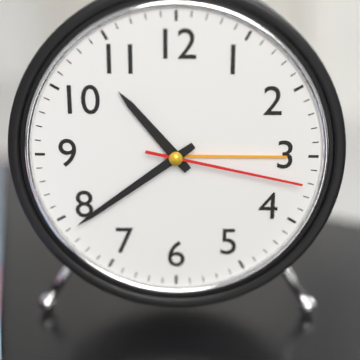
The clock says 10 h 39 min 17 s
